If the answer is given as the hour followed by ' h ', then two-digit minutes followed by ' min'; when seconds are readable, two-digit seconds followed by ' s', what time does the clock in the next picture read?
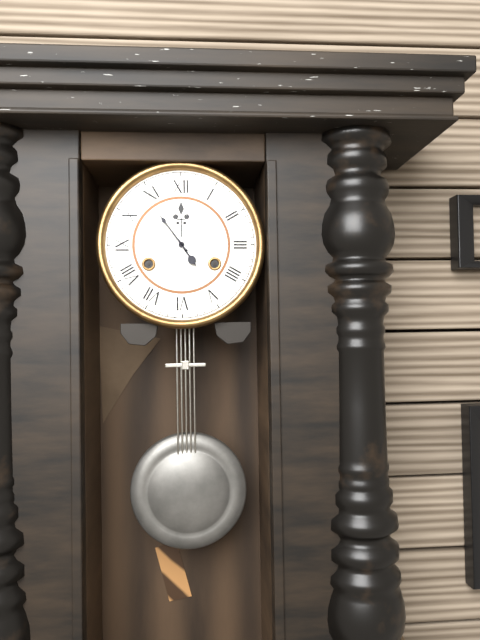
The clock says 4 h 54 min
